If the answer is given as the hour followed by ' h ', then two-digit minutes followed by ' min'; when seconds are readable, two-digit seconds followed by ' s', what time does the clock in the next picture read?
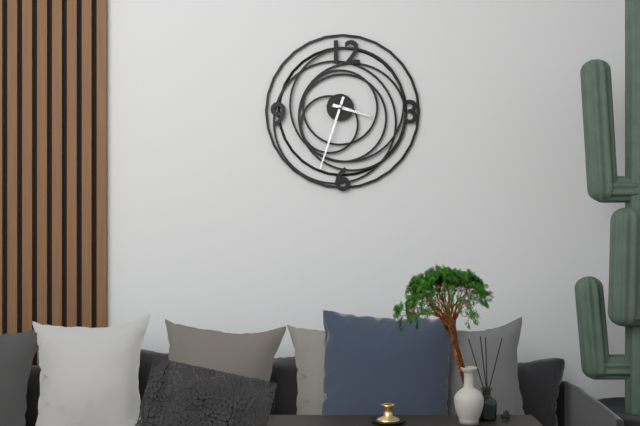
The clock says 3 h 33 min
